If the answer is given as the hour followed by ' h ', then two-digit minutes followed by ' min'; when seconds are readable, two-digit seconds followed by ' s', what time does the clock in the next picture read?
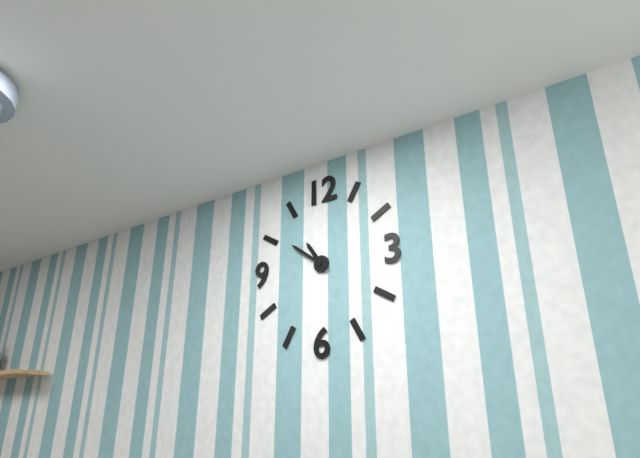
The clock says 10 h 51 min
